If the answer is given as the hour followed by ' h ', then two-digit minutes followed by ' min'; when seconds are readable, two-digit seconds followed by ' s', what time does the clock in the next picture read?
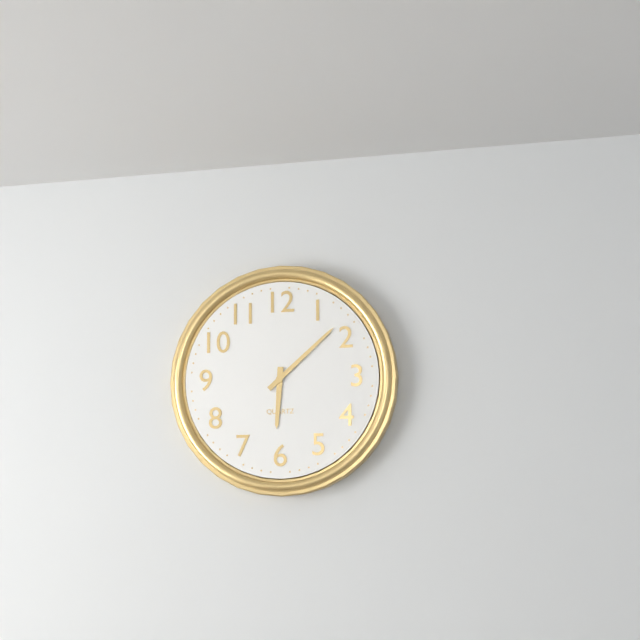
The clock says 6 h 08 min
